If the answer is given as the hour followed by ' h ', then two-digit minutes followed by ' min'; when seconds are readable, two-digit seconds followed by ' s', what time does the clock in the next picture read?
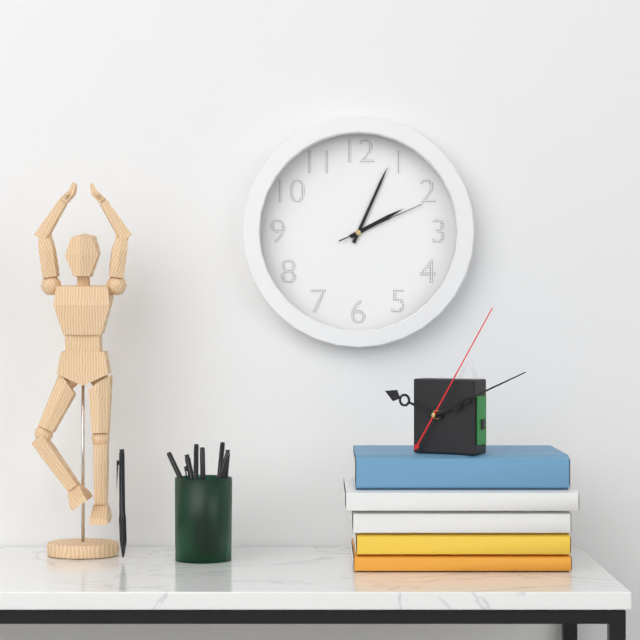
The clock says 2 h 04 min 11 s
